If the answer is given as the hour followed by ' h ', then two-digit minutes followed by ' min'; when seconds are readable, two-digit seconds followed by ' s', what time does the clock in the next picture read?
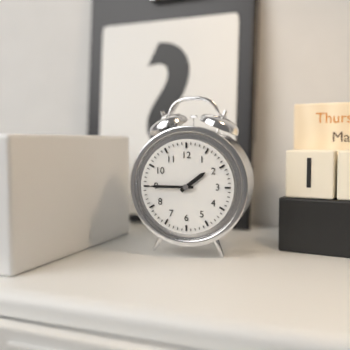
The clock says 1 h 45 min
